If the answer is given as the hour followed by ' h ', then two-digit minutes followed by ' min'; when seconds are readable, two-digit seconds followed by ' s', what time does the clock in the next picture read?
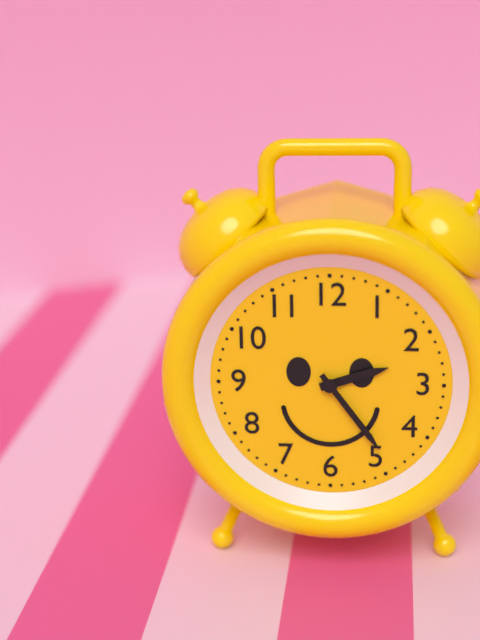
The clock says 2 h 24 min
